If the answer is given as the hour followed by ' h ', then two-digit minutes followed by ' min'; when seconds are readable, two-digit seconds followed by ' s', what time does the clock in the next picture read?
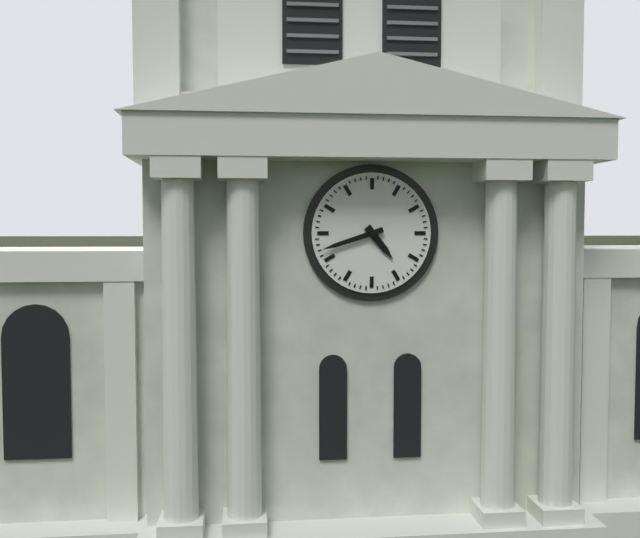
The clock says 4 h 42 min
